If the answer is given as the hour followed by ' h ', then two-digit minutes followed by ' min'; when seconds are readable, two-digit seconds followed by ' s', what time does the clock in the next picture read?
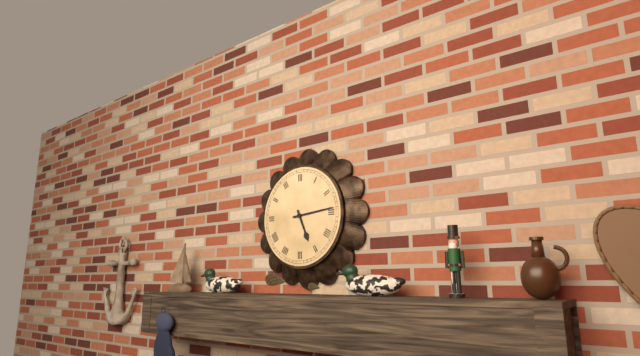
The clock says 5 h 14 min
